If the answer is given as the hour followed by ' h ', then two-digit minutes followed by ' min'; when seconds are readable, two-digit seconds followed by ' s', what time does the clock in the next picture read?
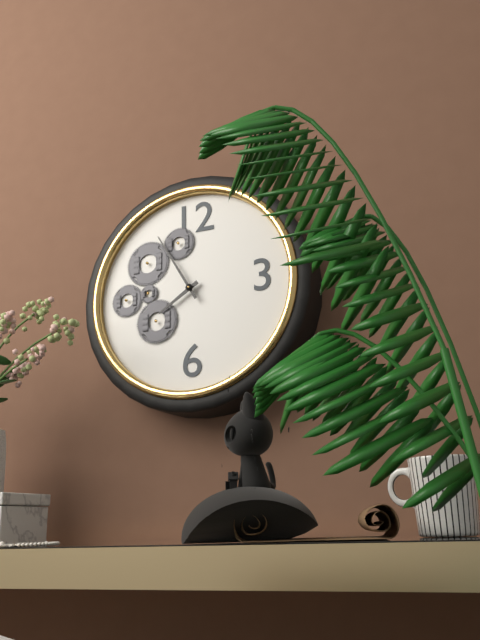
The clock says 7 h 55 min
